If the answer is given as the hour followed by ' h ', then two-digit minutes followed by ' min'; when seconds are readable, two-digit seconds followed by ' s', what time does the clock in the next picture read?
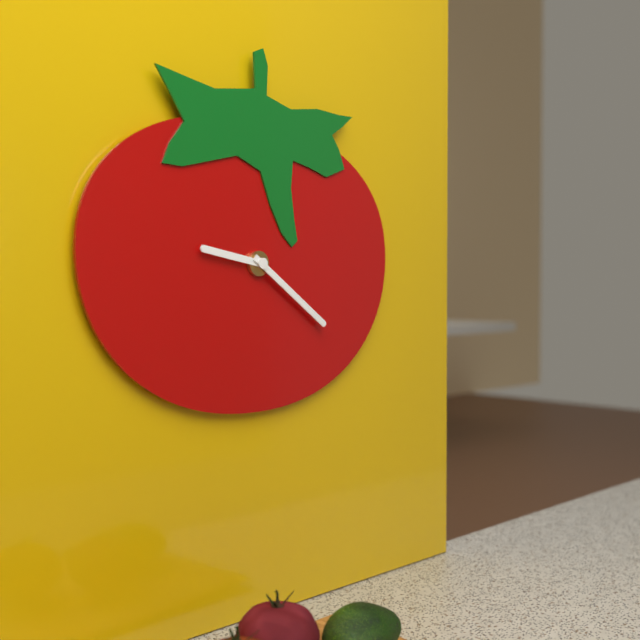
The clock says 9 h 21 min
